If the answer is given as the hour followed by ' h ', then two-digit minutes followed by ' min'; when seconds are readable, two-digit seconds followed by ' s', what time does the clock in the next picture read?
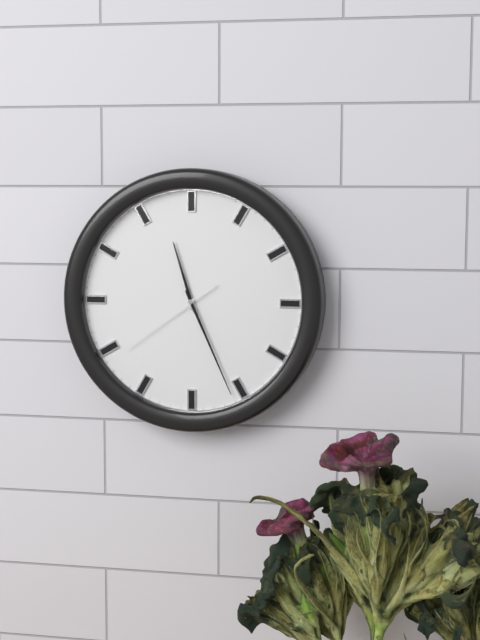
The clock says 11 h 26 min 39 s
